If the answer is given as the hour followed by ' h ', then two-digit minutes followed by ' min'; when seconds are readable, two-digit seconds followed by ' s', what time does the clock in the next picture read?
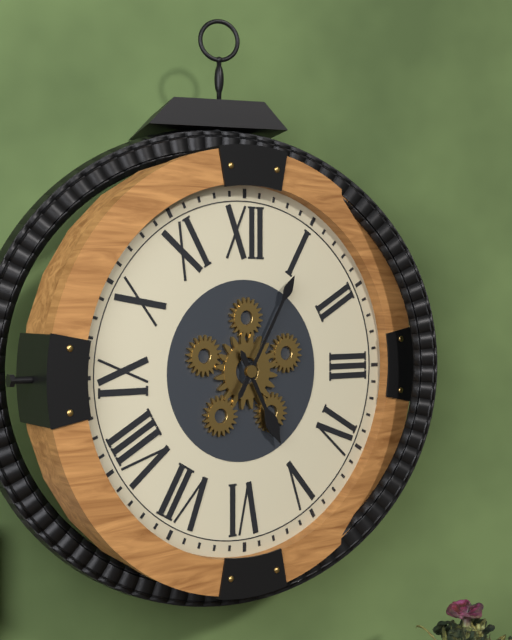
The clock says 5 h 05 min
